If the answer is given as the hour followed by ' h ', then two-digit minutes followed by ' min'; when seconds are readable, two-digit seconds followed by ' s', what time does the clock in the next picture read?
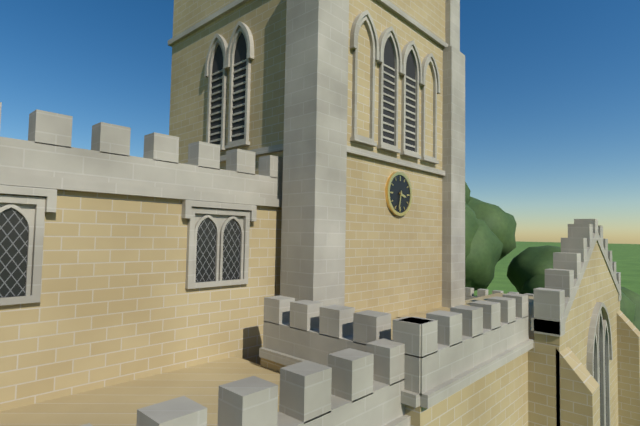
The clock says 3 h 32 min
